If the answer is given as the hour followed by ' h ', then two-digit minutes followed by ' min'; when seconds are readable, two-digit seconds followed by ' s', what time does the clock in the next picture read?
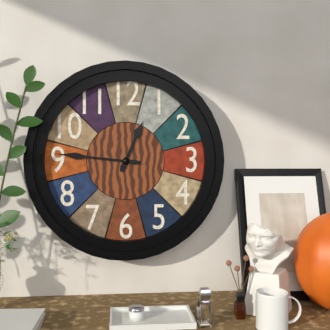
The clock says 12 h 46 min
